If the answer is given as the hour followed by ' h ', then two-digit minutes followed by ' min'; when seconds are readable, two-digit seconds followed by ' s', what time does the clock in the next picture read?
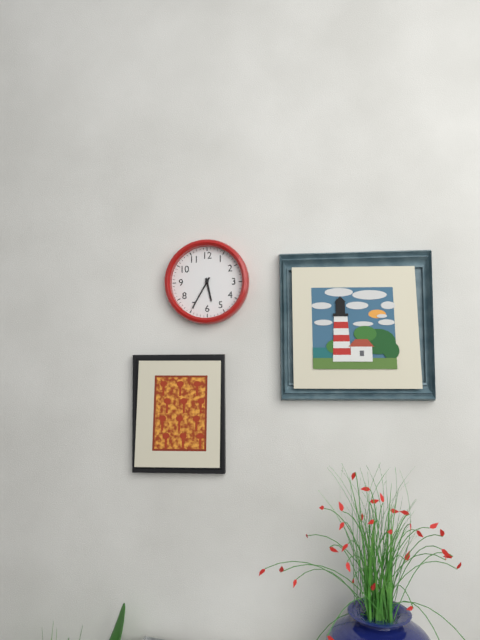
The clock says 5 h 35 min
